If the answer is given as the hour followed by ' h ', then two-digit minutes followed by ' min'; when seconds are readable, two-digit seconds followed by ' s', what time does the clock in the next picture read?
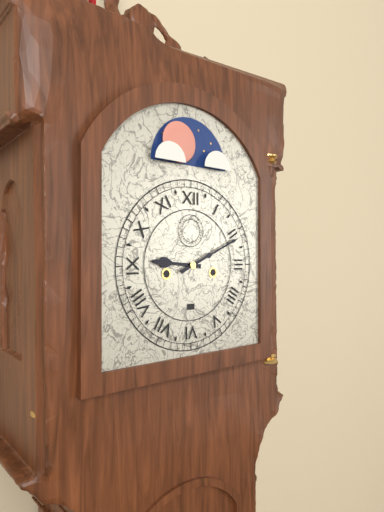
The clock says 9 h 11 min
